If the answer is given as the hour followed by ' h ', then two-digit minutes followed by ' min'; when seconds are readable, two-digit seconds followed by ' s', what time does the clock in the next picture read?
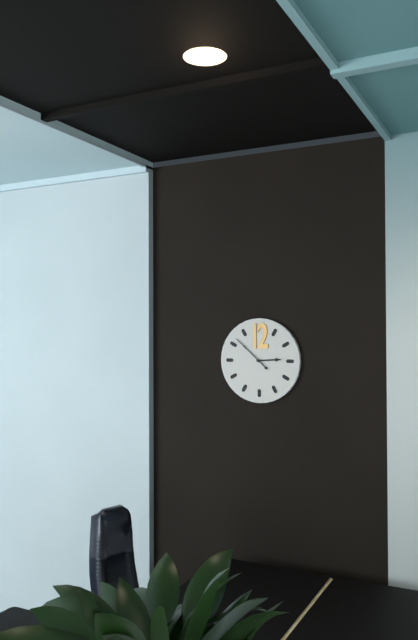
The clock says 2 h 52 min
